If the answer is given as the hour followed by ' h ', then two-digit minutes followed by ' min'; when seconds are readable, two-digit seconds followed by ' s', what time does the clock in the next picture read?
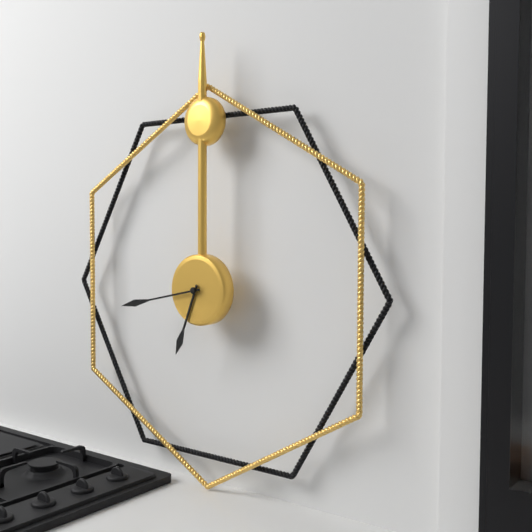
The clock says 6 h 43 min
